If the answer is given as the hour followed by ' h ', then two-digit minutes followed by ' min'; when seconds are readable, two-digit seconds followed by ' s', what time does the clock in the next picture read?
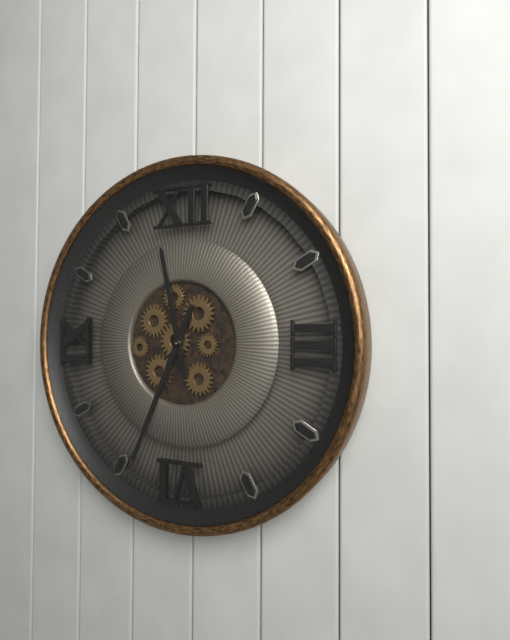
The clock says 11 h 34 min
